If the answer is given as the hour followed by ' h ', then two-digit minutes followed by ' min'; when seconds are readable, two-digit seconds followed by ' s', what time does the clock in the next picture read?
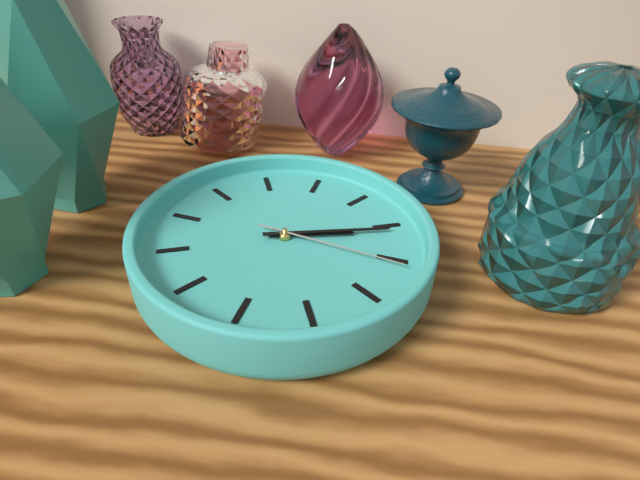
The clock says 3 h 16 min 21 s
